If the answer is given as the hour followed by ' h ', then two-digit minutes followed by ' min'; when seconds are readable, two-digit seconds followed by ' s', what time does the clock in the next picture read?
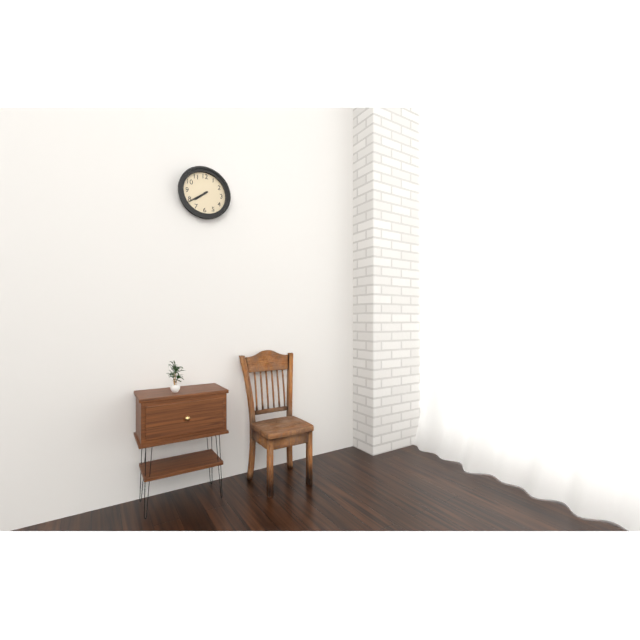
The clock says 7 h 39 min
